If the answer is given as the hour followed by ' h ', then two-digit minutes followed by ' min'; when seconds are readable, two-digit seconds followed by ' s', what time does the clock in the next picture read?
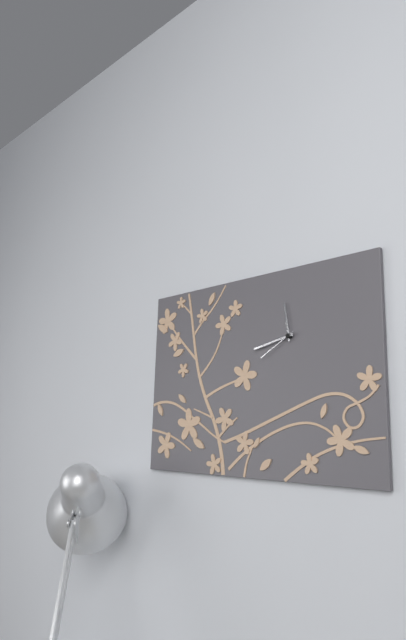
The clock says 11 h 43 min
